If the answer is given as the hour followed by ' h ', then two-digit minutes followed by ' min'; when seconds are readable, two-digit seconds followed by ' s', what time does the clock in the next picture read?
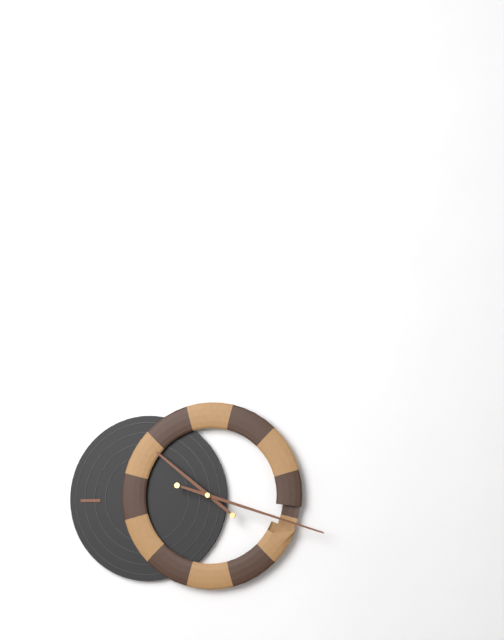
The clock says 10 h 18 min
